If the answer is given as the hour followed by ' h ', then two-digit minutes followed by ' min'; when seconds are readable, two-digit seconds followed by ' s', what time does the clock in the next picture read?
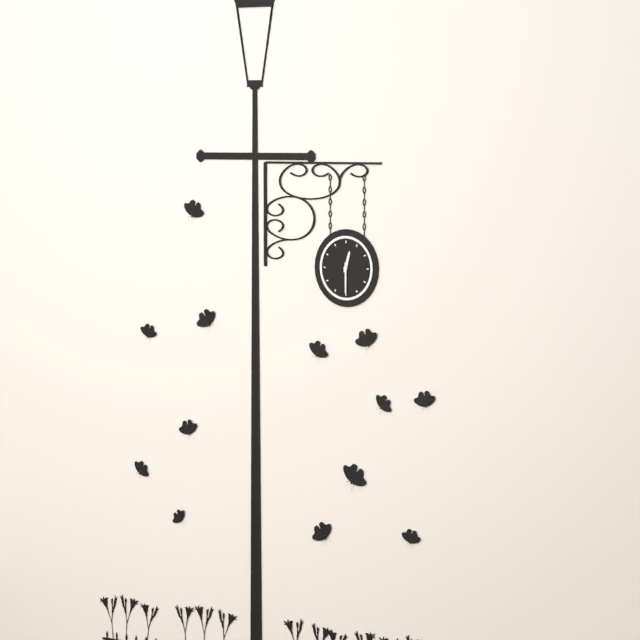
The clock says 12 h 30 min
